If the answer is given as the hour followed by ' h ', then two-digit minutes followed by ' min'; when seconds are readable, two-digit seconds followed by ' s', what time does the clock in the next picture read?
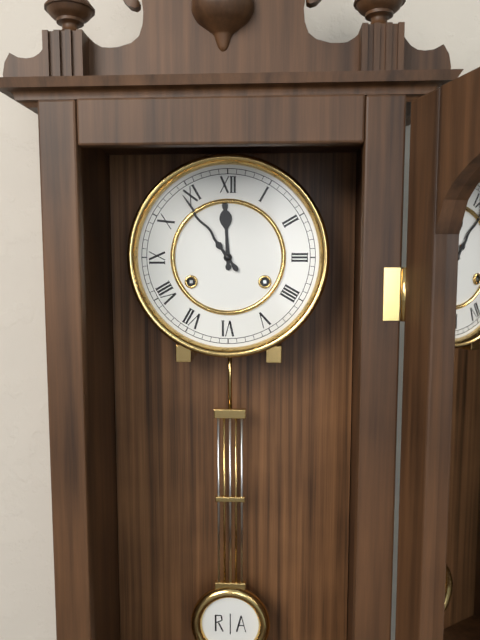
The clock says 11 h 54 min
